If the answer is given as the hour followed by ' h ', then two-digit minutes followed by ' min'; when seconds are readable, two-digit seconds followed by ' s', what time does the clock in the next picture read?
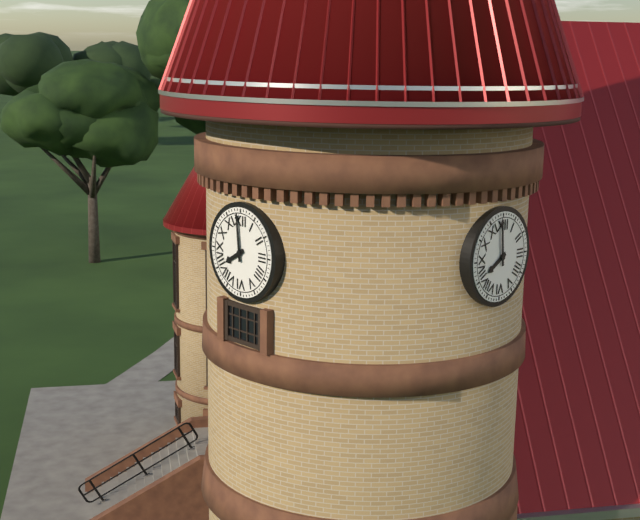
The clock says 7 h 59 min
